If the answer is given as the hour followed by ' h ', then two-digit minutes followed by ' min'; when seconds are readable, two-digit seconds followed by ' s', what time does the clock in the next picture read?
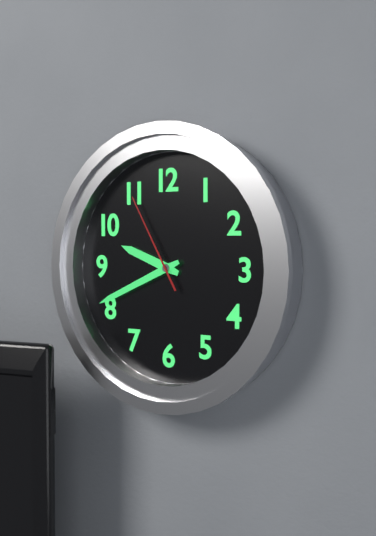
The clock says 9 h 41 min 55 s
